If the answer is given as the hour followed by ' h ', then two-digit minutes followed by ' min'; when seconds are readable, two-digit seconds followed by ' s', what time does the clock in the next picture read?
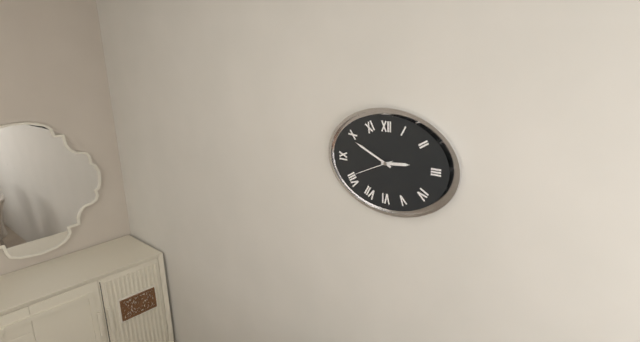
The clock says 2 h 49 min
